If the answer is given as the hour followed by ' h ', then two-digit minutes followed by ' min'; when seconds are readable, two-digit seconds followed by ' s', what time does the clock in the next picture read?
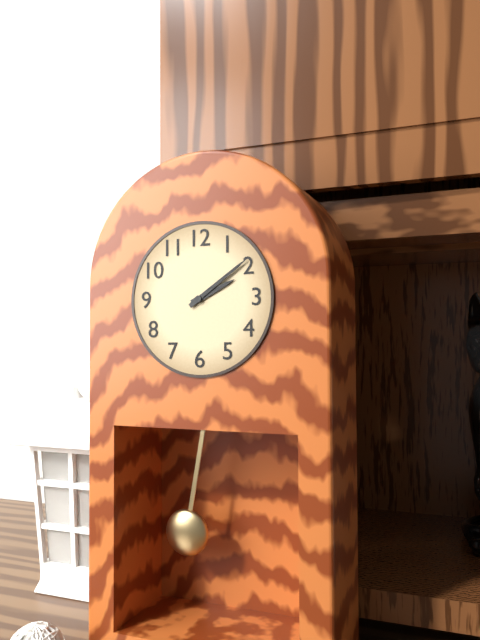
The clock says 2 h 09 min
